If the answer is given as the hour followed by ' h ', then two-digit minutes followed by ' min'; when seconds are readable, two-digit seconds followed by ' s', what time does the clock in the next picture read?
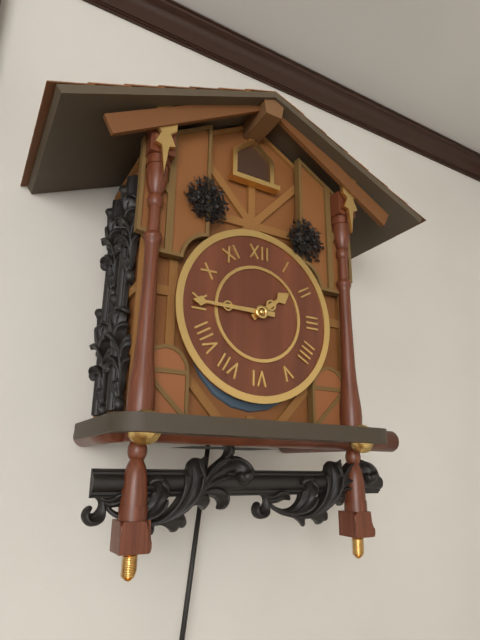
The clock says 1 h 45 min
